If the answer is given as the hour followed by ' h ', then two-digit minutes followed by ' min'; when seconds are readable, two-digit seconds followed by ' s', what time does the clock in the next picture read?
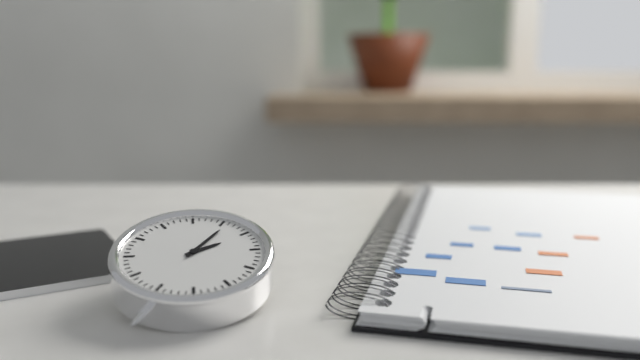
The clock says 2 h 06 min
